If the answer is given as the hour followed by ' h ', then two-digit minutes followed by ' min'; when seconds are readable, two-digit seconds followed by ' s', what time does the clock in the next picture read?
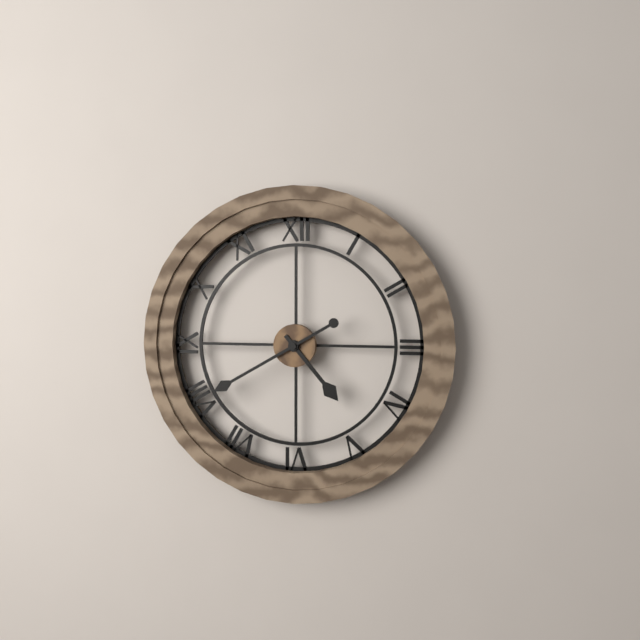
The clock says 4 h 40 min
